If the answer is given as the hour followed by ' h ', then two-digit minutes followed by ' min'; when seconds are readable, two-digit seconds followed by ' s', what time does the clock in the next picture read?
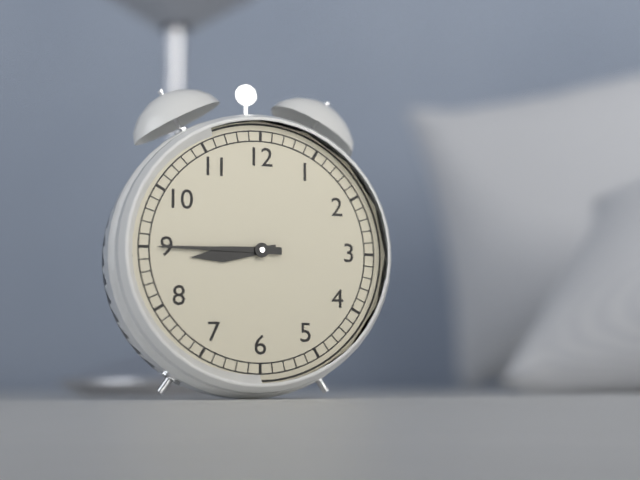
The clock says 8 h 45 min
